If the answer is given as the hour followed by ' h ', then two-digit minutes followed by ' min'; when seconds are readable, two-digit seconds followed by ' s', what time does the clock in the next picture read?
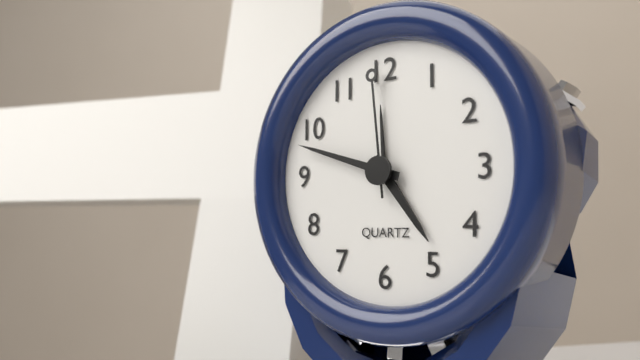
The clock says 4 h 48 min 59 s
